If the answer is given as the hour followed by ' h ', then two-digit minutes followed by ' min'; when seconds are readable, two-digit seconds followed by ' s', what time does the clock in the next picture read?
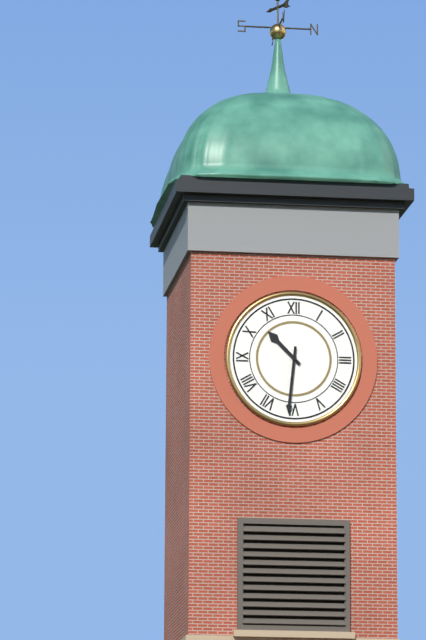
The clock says 10 h 31 min
